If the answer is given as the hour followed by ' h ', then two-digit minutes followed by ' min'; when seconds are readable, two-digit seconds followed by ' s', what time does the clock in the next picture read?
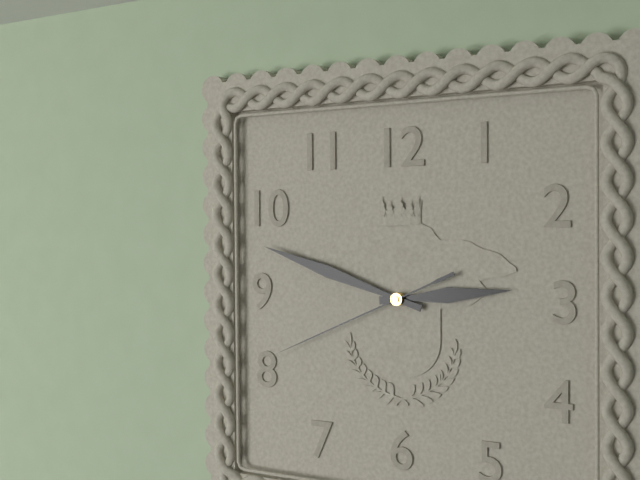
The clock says 2 h 48 min 41 s
